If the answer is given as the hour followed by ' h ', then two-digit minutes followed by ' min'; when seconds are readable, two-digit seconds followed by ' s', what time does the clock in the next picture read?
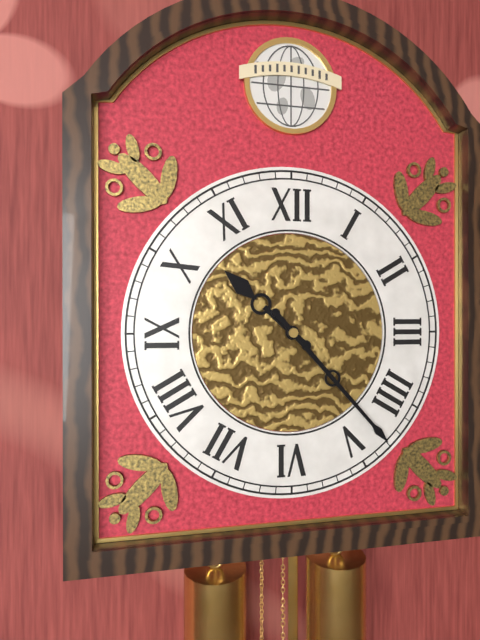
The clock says 10 h 23 min
